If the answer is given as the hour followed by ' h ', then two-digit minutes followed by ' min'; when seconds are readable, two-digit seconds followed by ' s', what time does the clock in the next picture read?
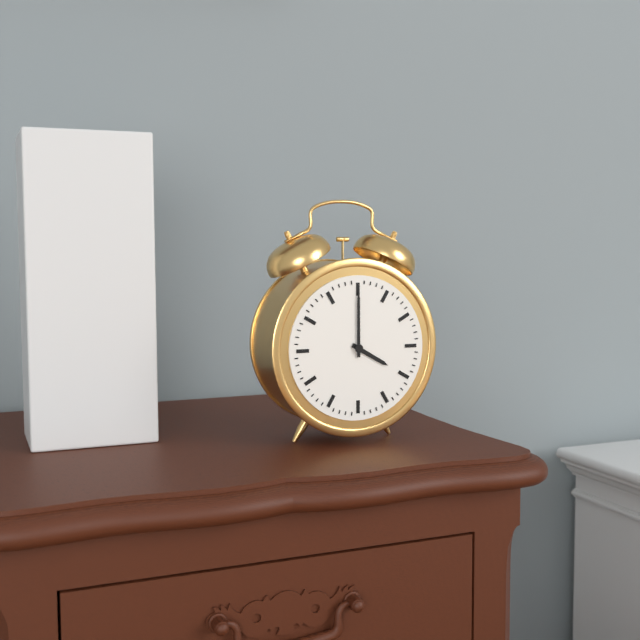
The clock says 4 h 00 min
